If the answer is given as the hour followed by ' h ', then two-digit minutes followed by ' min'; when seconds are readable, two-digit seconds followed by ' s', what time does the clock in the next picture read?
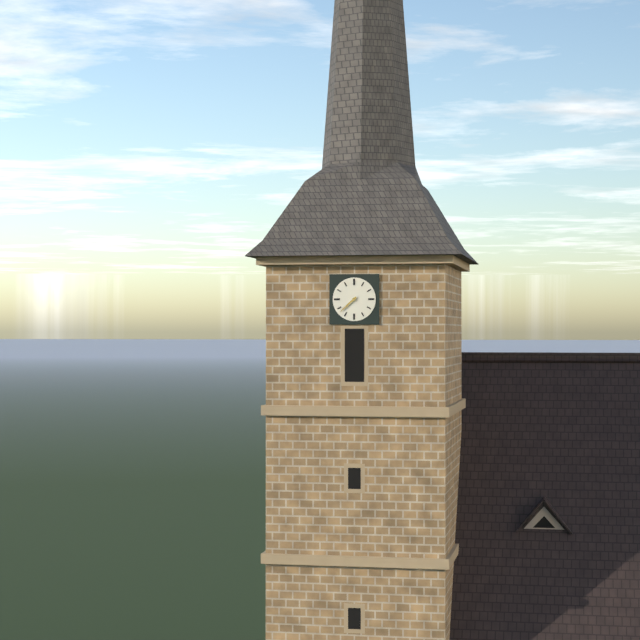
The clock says 7 h 38 min
